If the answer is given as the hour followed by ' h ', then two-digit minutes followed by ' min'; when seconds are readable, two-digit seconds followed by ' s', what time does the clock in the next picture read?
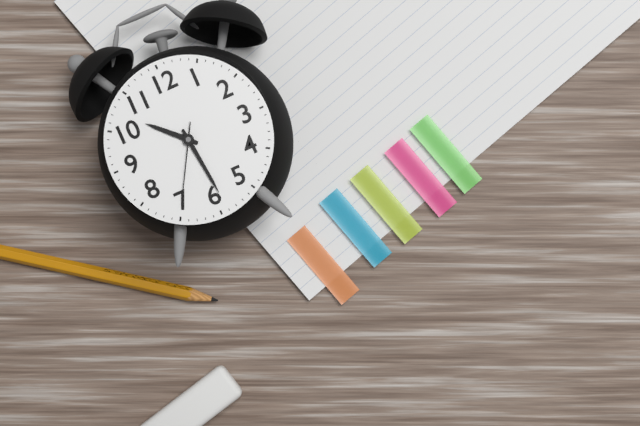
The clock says 10 h 29 min 35 s
